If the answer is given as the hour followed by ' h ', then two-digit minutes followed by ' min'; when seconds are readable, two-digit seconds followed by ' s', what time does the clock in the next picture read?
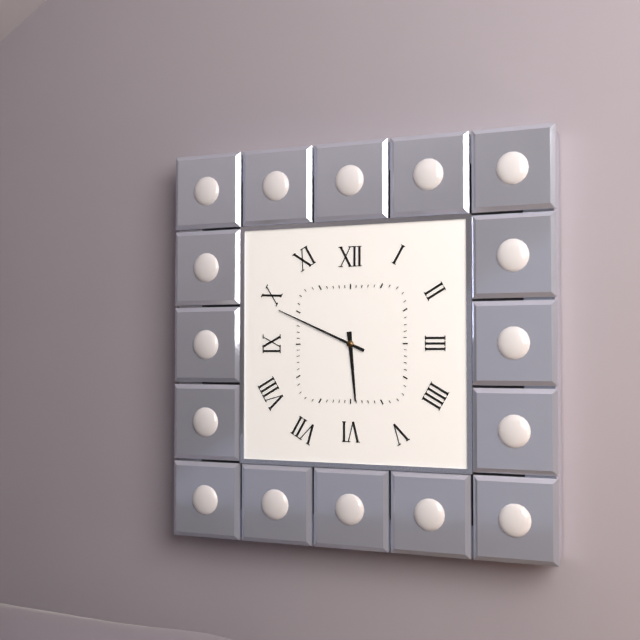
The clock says 5 h 49 min
